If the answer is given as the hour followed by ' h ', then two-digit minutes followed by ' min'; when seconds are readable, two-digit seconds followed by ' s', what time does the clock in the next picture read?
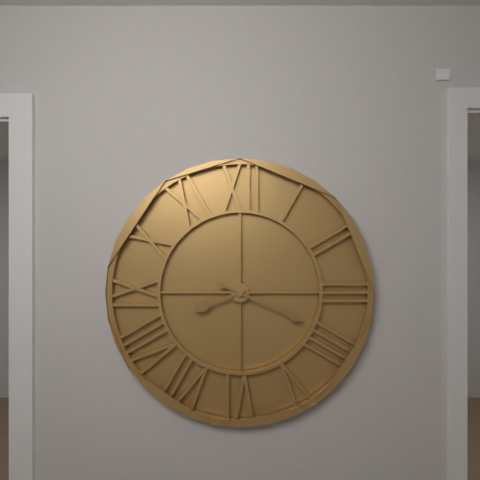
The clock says 8 h 19 min
